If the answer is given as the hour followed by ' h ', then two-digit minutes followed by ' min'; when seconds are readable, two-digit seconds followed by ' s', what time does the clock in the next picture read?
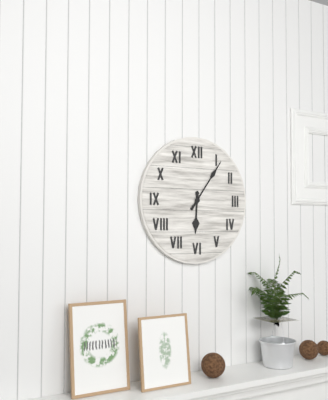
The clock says 6 h 06 min
